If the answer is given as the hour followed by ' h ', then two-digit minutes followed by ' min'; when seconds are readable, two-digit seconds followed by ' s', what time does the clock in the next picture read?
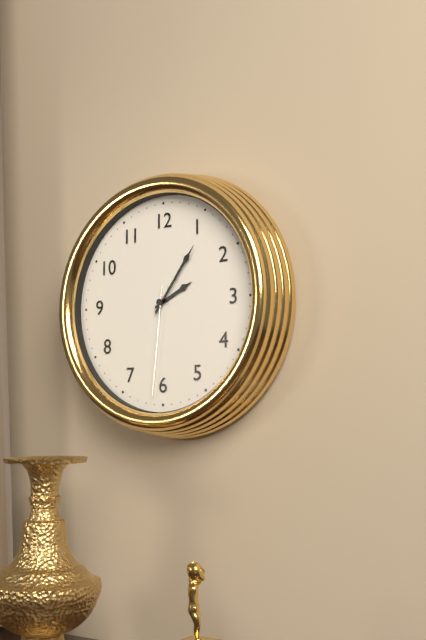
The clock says 2 h 06 min 31 s
